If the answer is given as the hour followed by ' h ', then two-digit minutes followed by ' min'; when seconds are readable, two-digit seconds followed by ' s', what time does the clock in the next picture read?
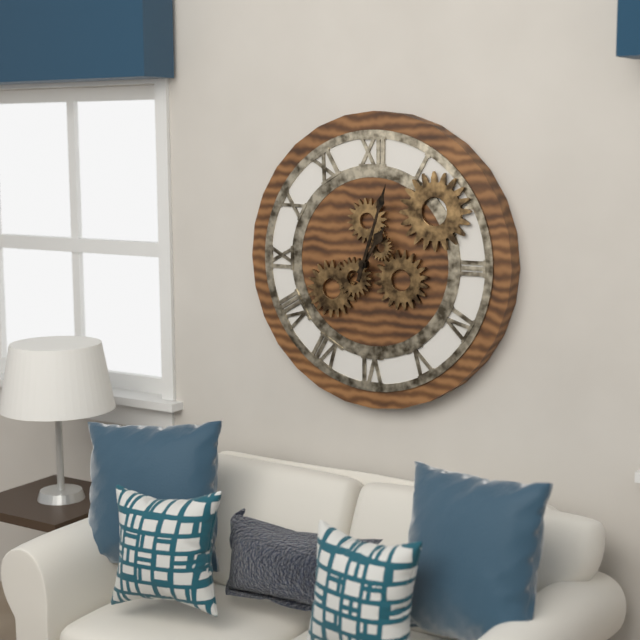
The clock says 1 h 03 min
